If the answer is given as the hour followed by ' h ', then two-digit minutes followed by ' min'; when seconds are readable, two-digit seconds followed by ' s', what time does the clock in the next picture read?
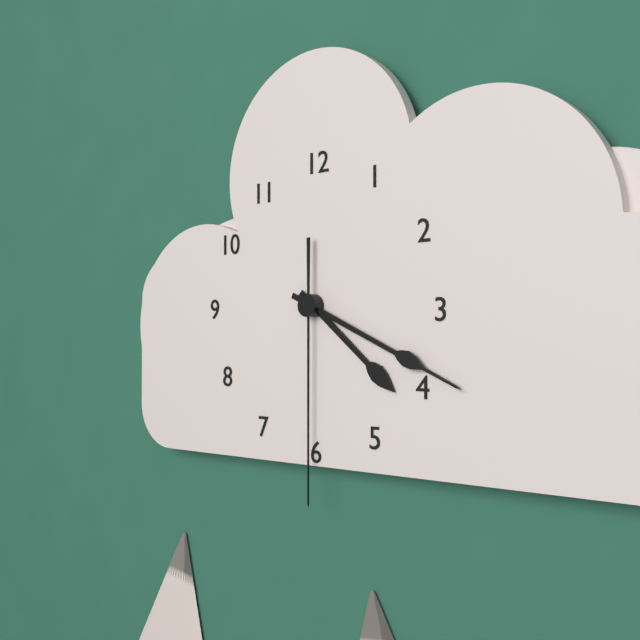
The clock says 4 h 19 min 30 s
